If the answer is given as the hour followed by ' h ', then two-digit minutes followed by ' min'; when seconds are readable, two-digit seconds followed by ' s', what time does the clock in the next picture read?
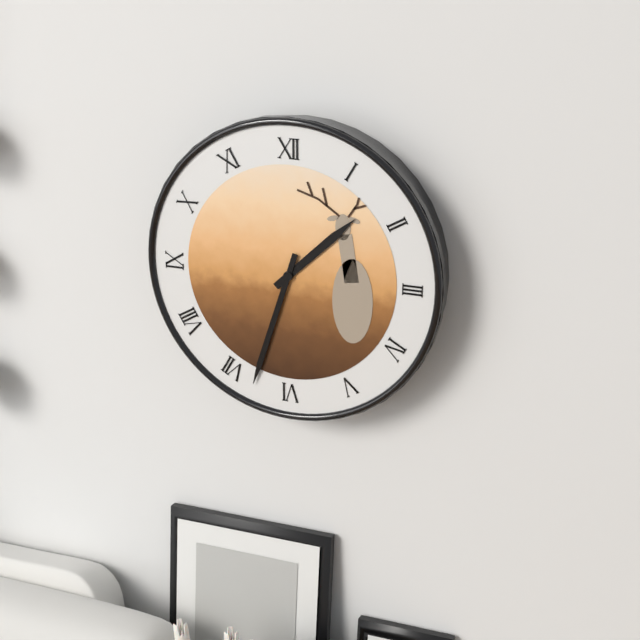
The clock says 1 h 33 min
